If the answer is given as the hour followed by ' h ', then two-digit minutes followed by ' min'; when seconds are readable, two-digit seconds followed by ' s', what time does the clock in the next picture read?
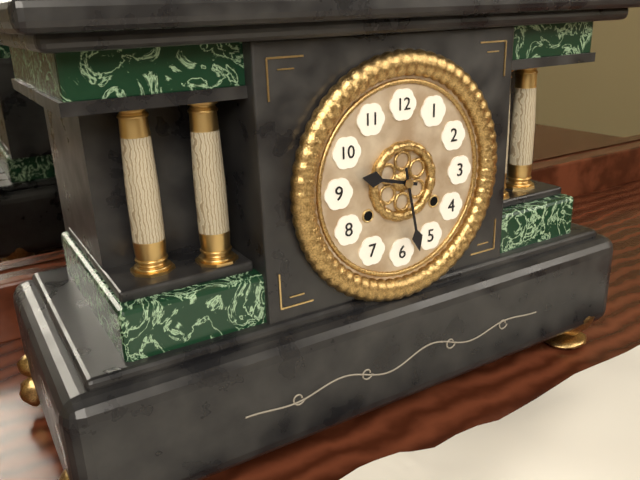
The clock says 9 h 28 min
